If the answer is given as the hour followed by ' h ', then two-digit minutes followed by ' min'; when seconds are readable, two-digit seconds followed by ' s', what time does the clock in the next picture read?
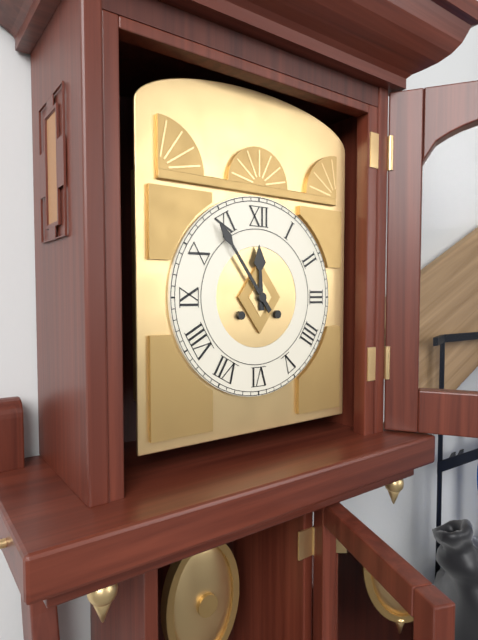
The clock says 11 h 54 min
